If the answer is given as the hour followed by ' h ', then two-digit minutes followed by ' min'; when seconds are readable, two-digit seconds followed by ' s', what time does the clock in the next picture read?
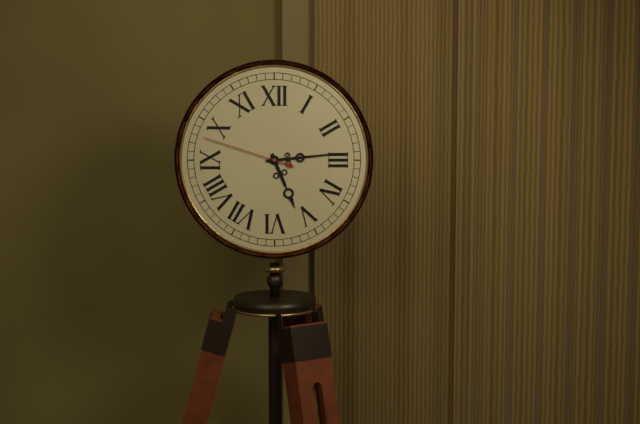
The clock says 5 h 14 min 48 s
